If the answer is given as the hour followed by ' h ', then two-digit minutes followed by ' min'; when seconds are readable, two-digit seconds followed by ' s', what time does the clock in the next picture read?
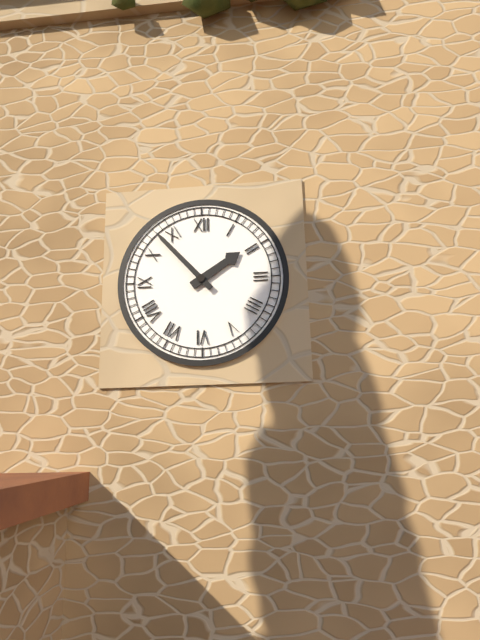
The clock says 1 h 53 min
